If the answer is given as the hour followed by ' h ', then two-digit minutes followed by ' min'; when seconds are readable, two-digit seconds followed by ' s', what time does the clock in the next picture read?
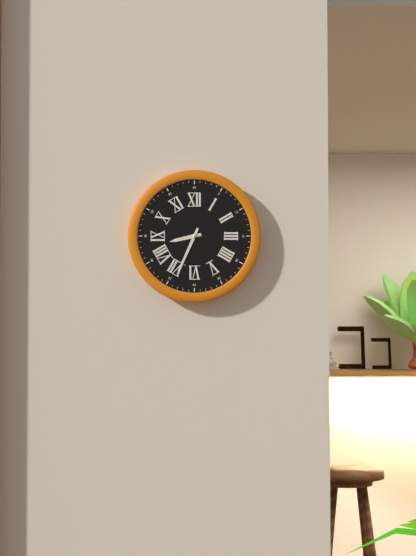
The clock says 8 h 34 min
